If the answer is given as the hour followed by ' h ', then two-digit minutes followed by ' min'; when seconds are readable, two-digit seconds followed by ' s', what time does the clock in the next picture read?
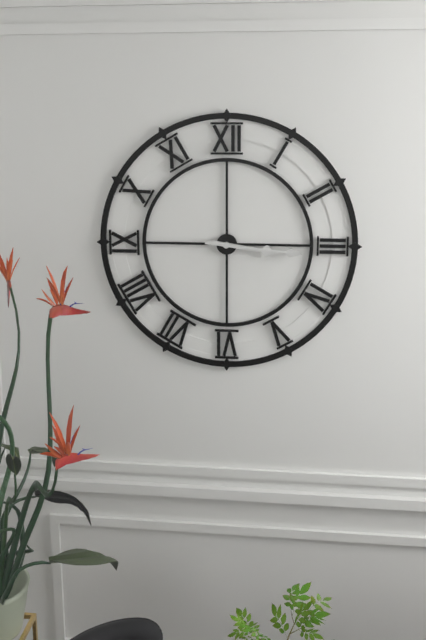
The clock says 3 h 16 min
